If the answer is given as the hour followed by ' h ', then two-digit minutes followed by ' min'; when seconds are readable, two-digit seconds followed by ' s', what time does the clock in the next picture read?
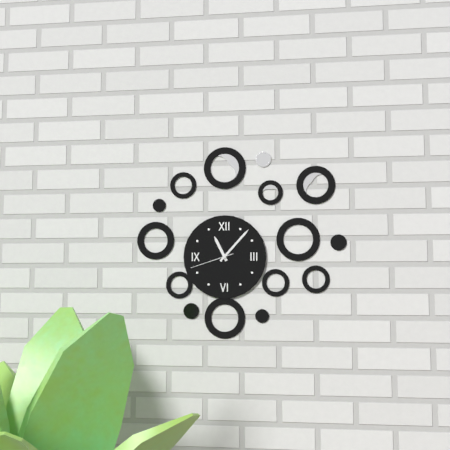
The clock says 11 h 07 min
